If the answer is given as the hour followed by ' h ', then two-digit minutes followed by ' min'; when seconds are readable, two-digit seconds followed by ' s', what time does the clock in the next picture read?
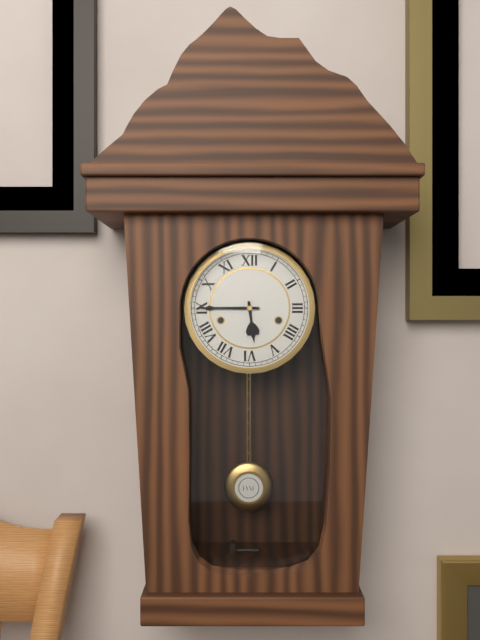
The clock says 5 h 45 min
